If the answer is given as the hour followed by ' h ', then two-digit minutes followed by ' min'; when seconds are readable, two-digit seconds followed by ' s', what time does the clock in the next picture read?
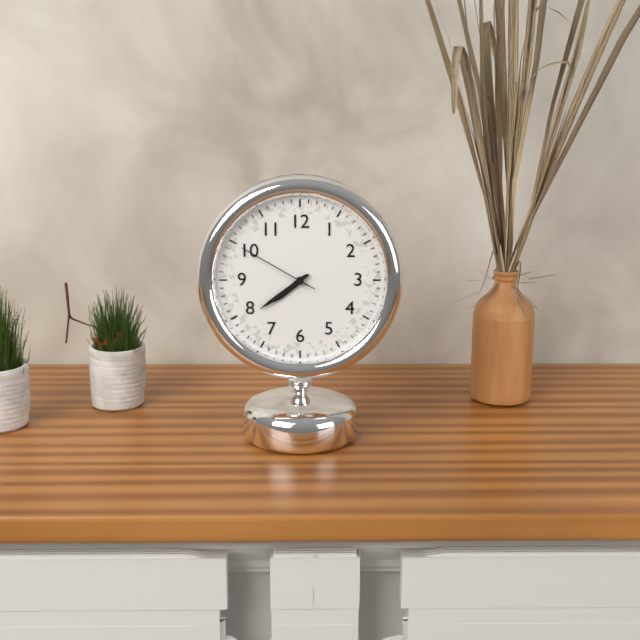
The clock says 7 h 39 min 50 s
